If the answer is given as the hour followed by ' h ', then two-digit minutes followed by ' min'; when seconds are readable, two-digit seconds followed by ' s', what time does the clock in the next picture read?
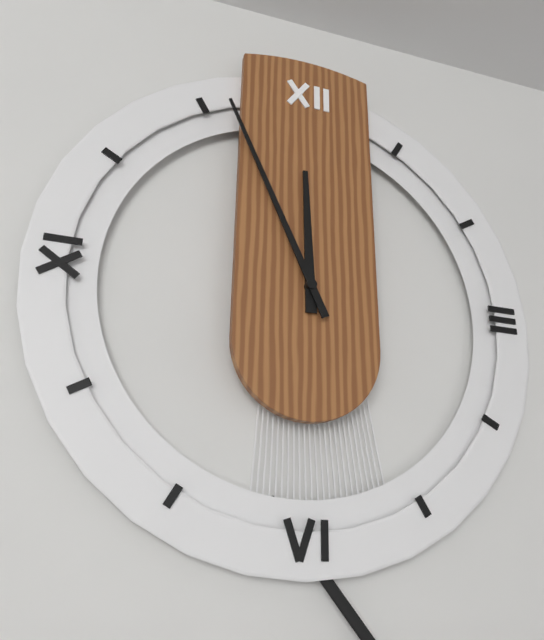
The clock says 11 h 56 min
